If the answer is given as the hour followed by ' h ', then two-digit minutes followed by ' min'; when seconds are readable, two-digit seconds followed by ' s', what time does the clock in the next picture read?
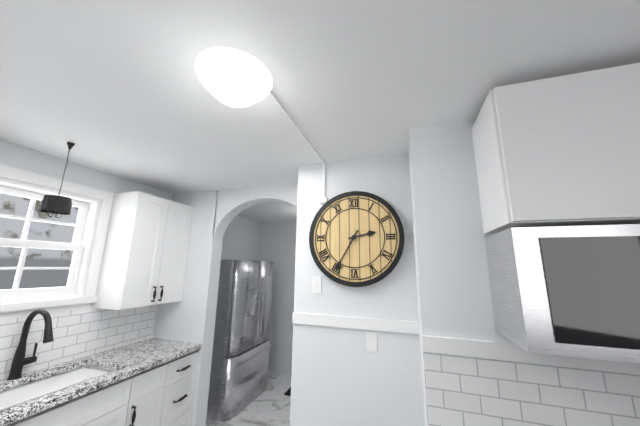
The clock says 2 h 35 min
